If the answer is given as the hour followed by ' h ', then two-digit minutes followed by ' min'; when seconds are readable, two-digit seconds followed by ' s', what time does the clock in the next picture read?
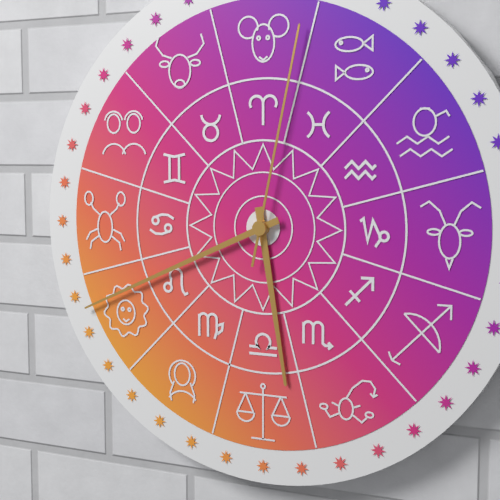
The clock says 5 h 41 min 02 s
